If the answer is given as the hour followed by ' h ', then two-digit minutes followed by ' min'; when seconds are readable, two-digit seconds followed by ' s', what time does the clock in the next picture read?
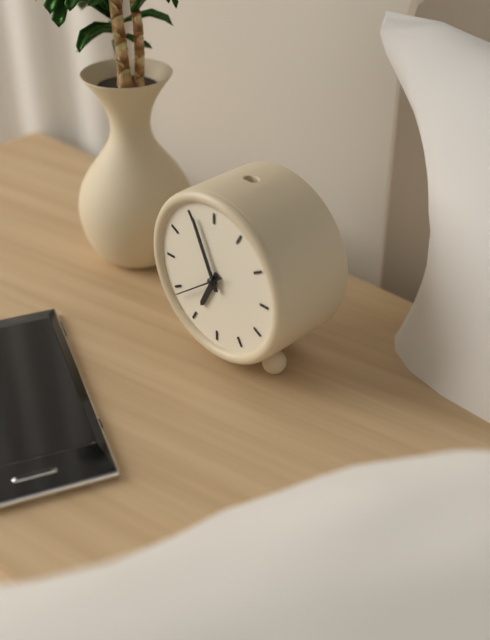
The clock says 6 h 56 min 39 s
